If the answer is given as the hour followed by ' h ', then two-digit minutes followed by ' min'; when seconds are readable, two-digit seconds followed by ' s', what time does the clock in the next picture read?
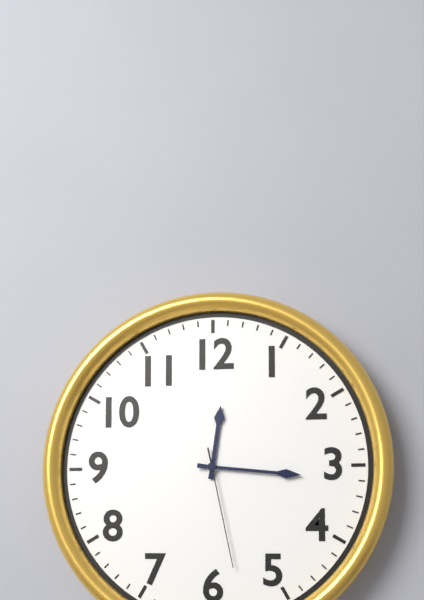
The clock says 12 h 16 min 28 s
